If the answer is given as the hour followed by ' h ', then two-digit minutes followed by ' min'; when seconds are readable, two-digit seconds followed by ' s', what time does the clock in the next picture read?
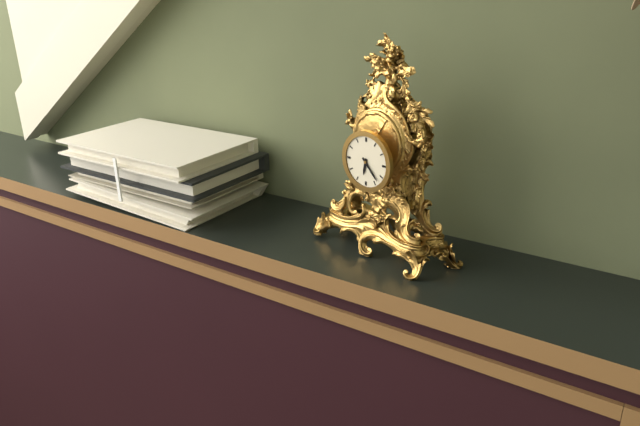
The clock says 6 h 23 min
